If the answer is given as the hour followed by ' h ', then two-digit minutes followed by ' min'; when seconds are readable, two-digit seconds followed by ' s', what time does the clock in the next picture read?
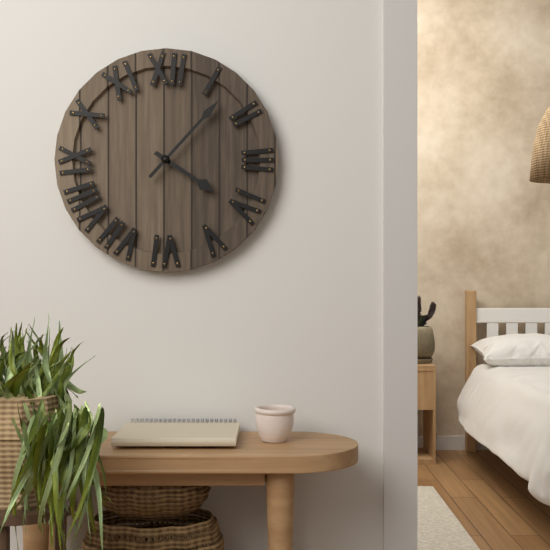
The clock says 4 h 07 min
